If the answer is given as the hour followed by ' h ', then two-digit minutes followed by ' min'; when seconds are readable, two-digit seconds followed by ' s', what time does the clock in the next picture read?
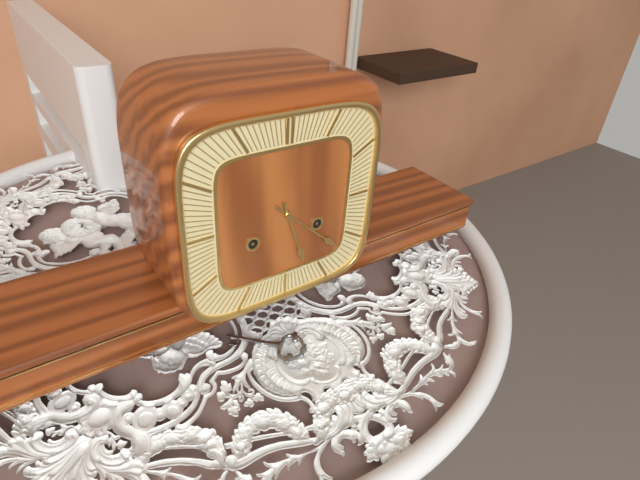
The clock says 5 h 22 min
